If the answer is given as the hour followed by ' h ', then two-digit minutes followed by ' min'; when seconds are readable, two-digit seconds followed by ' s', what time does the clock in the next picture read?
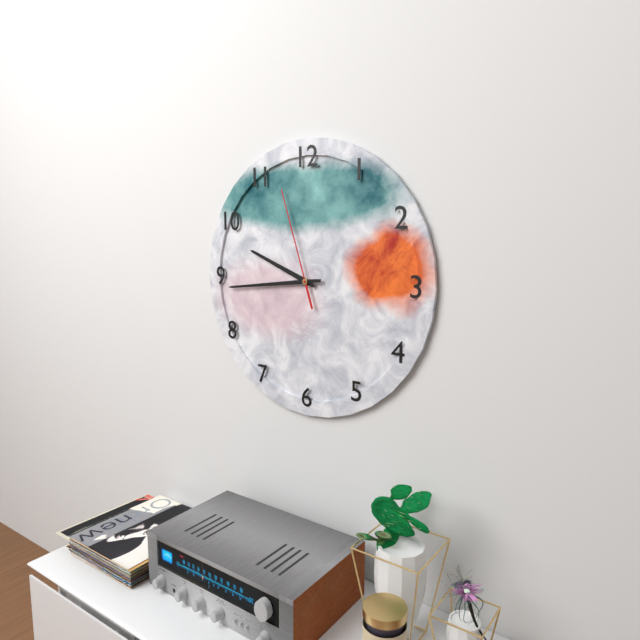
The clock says 9 h 44 min 57 s
